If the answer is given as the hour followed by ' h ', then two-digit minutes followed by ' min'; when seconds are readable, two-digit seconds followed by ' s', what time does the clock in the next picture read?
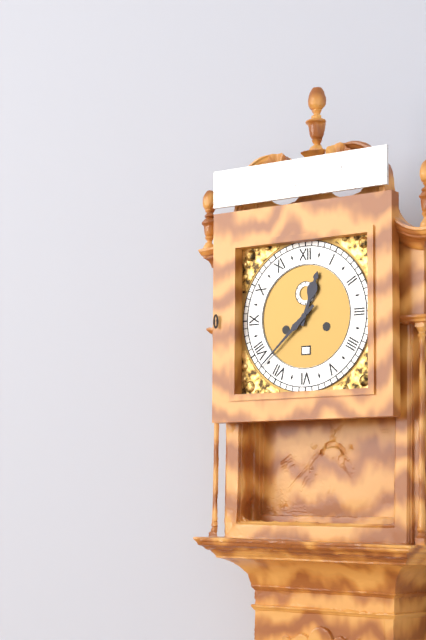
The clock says 12 h 38 min
